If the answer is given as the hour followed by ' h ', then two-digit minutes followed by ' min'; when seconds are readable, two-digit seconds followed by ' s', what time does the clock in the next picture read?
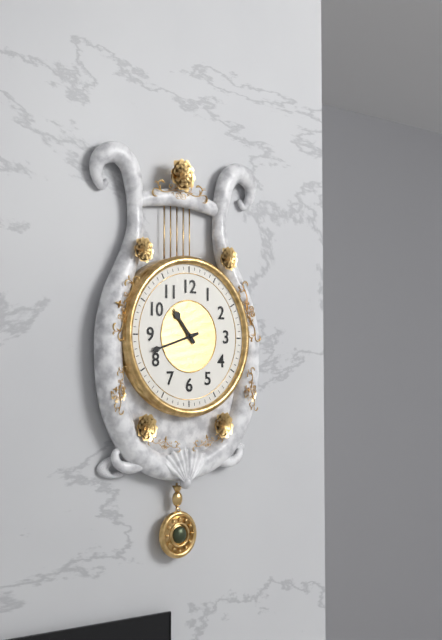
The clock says 10 h 42 min
